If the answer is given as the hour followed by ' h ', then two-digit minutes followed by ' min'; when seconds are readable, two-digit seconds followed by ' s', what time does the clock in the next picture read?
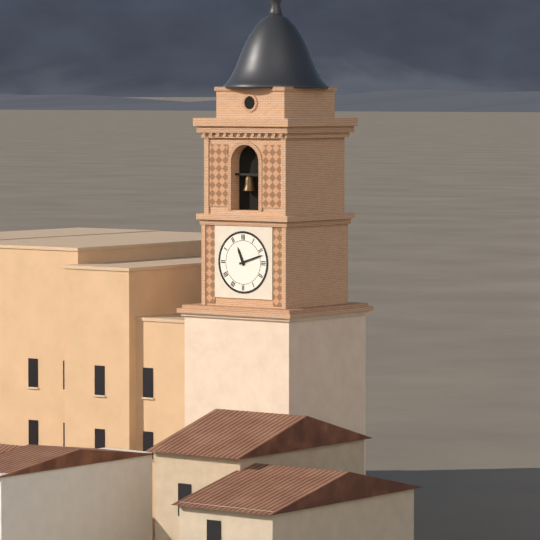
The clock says 11 h 12 min
